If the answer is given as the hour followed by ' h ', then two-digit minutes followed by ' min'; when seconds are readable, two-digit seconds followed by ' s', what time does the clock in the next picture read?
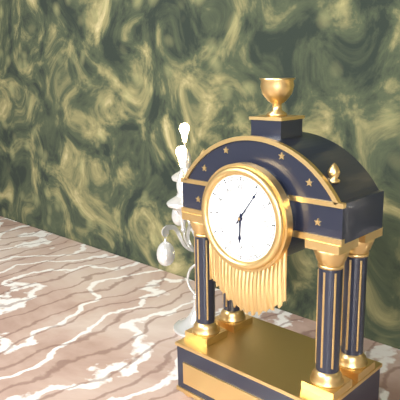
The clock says 6 h 06 min
